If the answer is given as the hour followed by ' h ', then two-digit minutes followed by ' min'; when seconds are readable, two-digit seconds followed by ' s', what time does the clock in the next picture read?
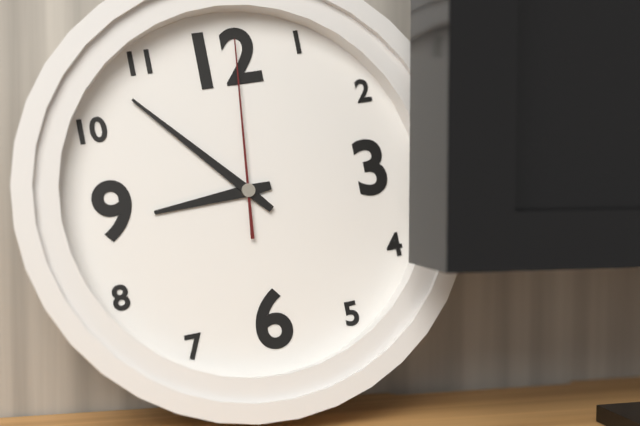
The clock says 8 h 53 min 01 s
